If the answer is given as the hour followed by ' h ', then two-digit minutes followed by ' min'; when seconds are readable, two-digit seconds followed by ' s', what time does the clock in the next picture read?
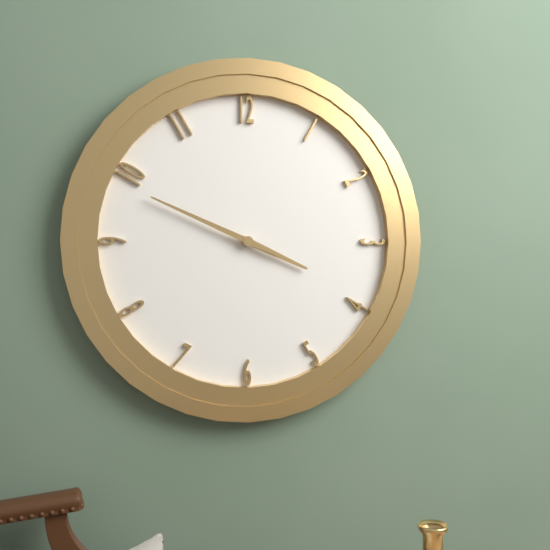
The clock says 3 h 49 min
